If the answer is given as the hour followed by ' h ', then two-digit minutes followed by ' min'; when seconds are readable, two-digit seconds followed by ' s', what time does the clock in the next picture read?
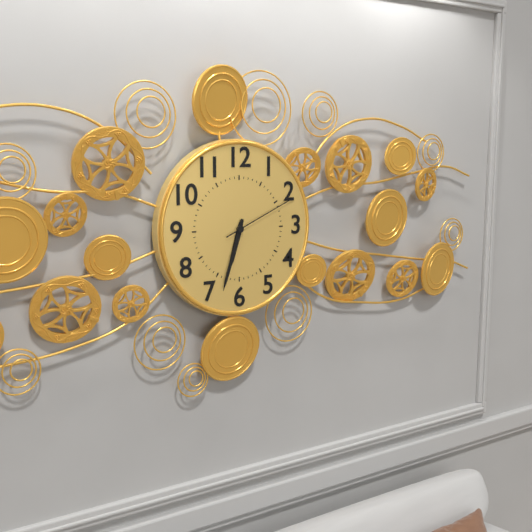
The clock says 6 h 33 min 11 s
